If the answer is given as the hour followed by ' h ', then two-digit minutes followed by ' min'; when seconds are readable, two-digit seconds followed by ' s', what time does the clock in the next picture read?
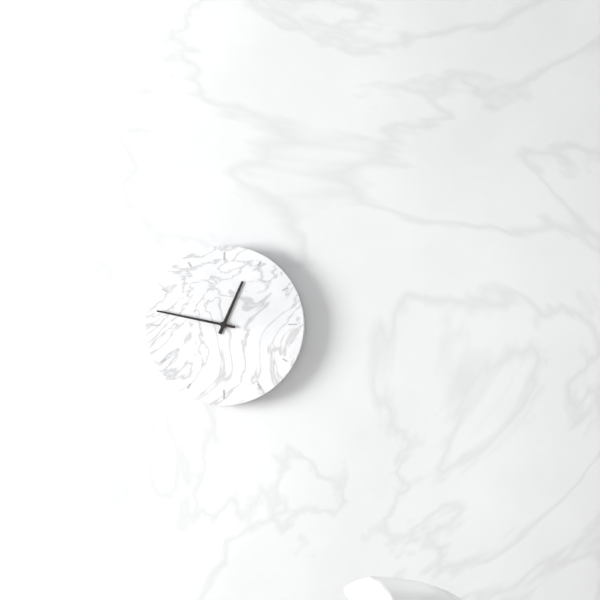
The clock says 12 h 47 min
